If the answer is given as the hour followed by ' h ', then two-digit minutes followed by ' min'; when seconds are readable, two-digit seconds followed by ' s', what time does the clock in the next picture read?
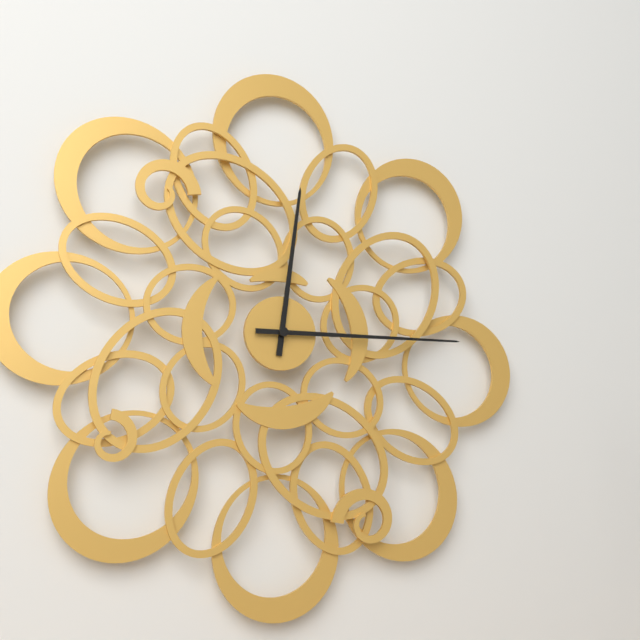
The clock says 12 h 15 min
